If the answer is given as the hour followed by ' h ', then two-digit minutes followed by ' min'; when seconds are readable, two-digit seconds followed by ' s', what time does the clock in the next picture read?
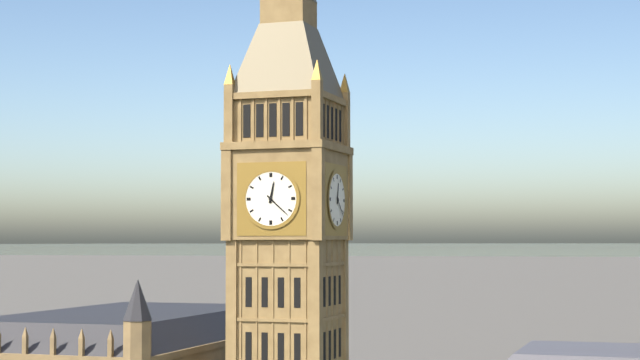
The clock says 12 h 22 min
